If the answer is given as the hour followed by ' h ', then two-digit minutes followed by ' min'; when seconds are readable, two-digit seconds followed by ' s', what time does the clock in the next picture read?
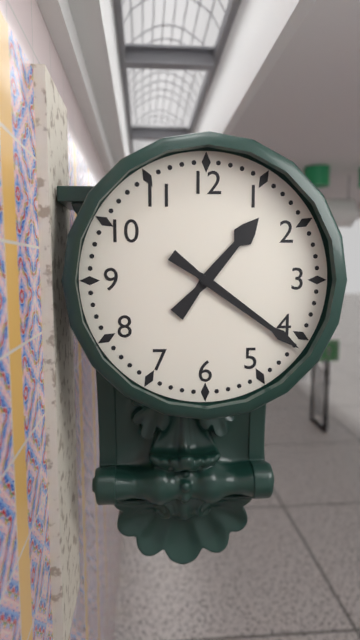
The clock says 1 h 21 min
